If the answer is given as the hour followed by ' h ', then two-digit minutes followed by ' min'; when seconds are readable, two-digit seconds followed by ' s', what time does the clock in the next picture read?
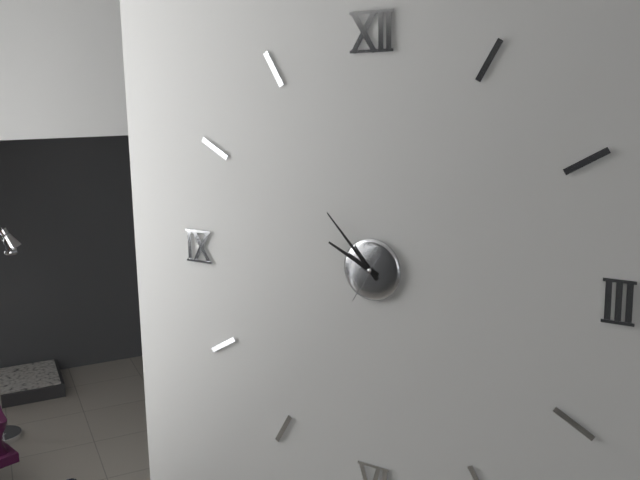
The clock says 9 h 53 min
